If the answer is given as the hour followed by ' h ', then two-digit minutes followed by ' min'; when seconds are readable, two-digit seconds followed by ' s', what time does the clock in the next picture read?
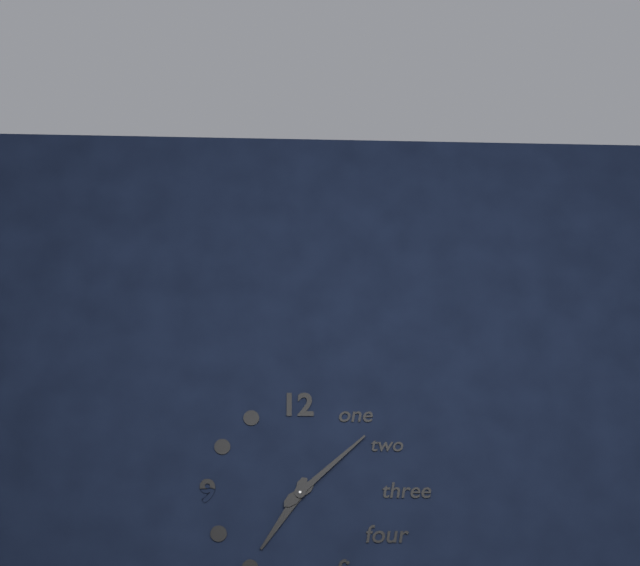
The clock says 7 h 08 min
